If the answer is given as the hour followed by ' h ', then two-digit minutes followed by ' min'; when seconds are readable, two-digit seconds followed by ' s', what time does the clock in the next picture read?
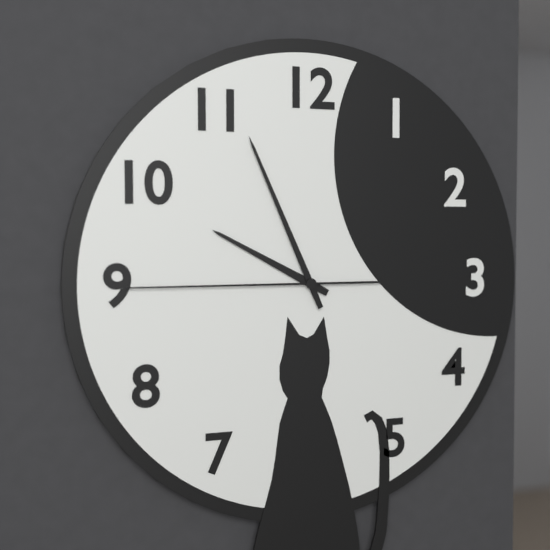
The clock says 9 h 56 min 45 s
